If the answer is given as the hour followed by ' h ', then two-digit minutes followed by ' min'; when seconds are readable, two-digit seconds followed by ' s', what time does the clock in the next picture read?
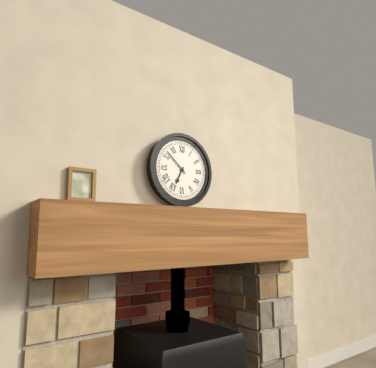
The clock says 6 h 52 min
